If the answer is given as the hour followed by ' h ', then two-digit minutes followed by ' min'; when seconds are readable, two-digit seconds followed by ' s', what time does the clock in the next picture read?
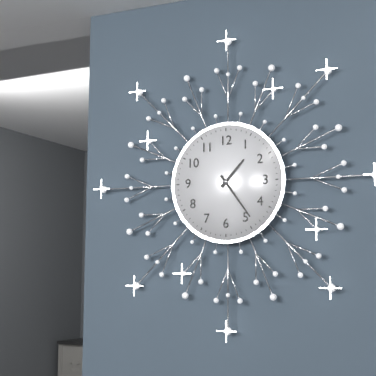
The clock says 1 h 24 min
